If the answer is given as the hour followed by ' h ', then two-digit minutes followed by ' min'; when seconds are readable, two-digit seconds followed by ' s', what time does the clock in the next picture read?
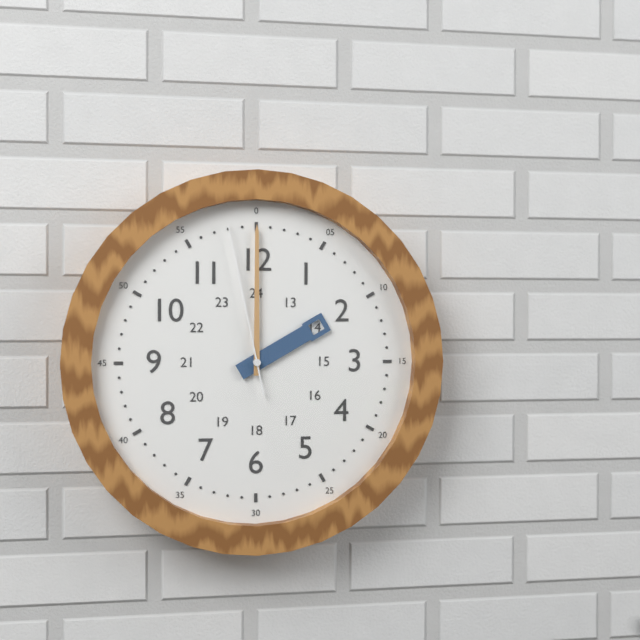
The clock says 2 h 00 min 58 s
